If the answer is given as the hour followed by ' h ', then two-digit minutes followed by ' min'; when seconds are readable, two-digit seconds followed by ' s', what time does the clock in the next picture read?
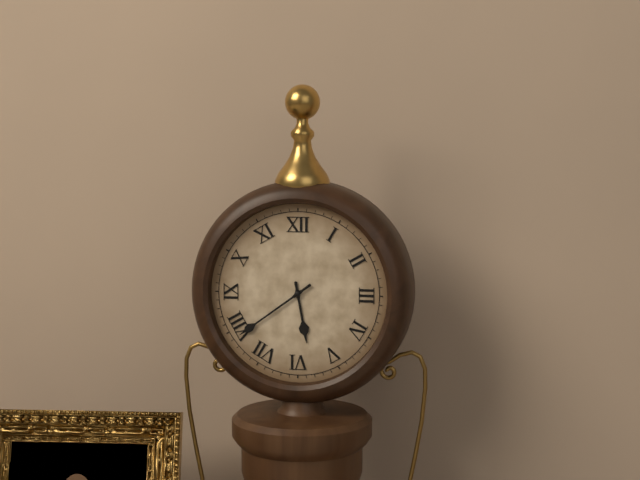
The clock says 5 h 39 min
